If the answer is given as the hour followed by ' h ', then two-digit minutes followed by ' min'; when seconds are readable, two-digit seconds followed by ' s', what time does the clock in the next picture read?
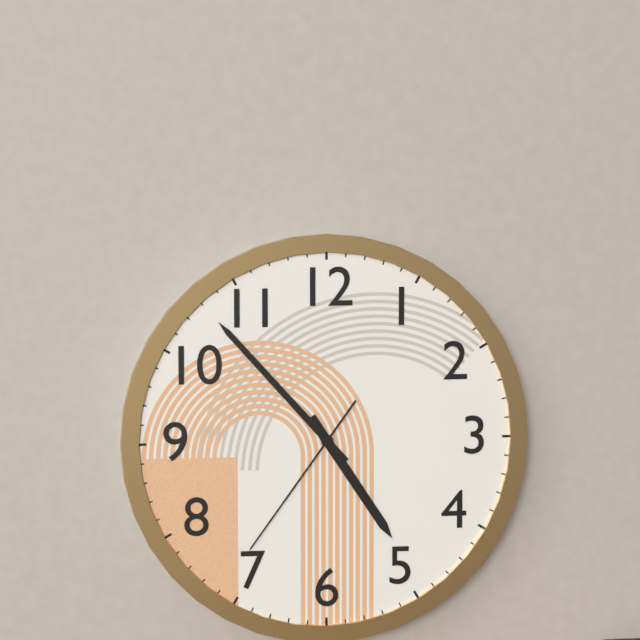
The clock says 4 h 53 min 36 s
